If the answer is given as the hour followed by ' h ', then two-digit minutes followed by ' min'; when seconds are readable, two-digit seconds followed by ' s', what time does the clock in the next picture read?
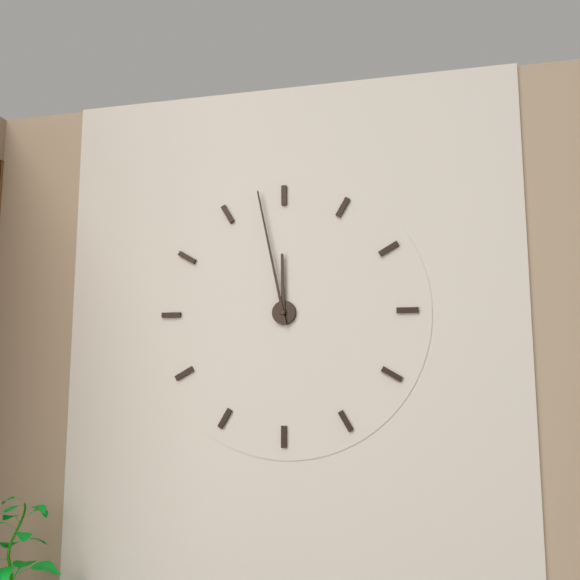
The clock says 11 h 58 min
